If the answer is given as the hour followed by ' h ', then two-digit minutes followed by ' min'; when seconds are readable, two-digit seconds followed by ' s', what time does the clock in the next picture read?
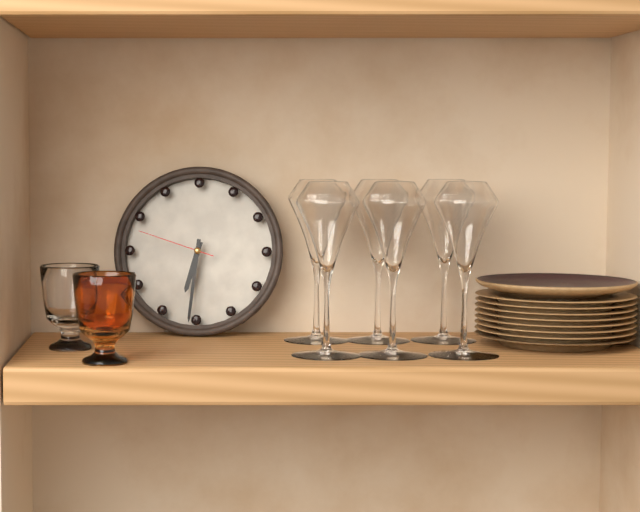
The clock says 6 h 31 min 48 s
